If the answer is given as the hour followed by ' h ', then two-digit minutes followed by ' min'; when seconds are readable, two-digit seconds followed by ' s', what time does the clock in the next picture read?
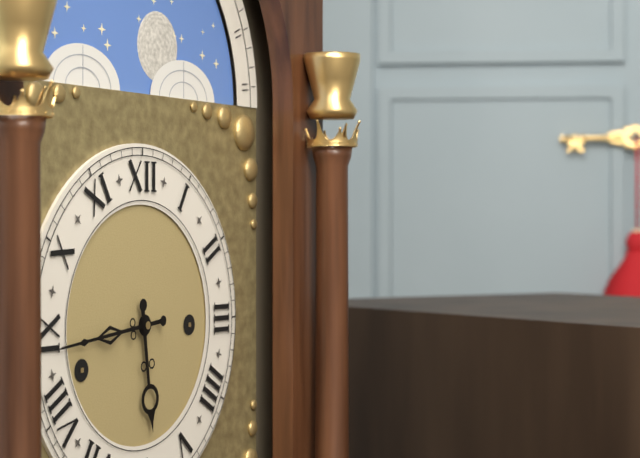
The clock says 5 h 44 min
